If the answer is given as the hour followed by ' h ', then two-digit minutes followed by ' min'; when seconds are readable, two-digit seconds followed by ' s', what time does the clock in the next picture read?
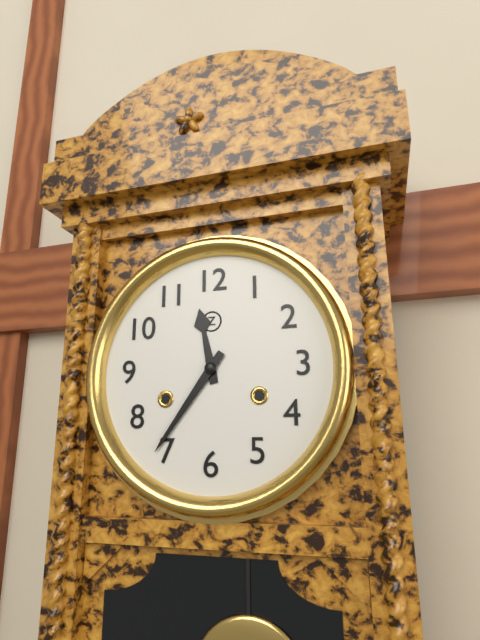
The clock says 11 h 36 min
